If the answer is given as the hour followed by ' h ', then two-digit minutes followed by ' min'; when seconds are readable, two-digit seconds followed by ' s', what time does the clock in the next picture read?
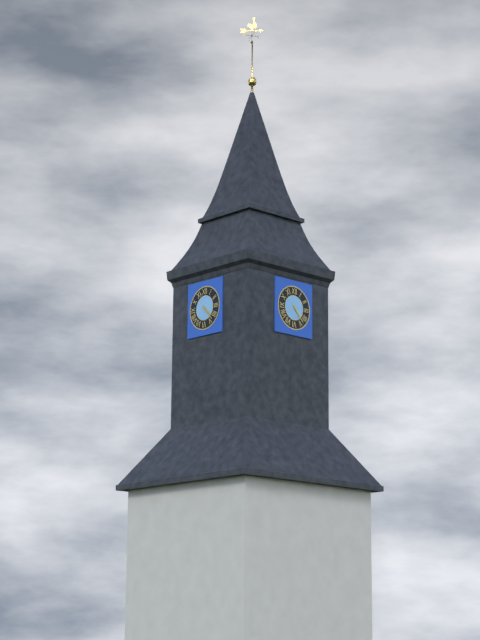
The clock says 4 h 23 min
